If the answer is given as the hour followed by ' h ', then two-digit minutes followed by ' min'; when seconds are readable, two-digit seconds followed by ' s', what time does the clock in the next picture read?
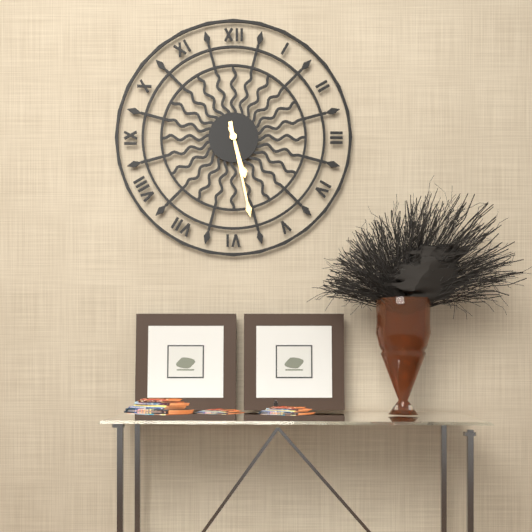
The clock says 5 h 28 min
